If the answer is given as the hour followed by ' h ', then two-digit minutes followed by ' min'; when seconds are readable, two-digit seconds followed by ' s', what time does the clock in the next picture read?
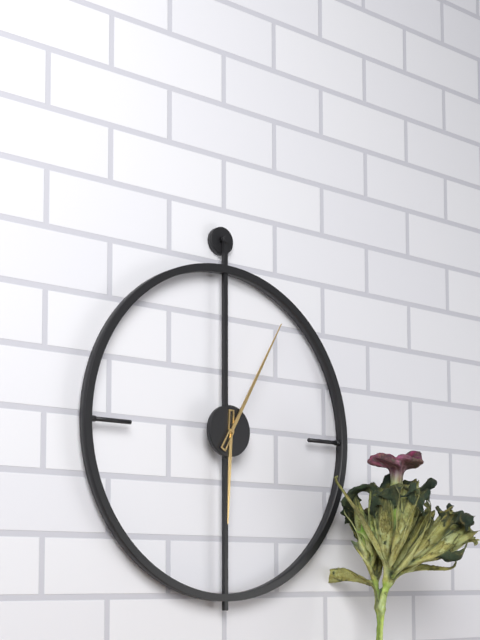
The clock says 6 h 05 min
